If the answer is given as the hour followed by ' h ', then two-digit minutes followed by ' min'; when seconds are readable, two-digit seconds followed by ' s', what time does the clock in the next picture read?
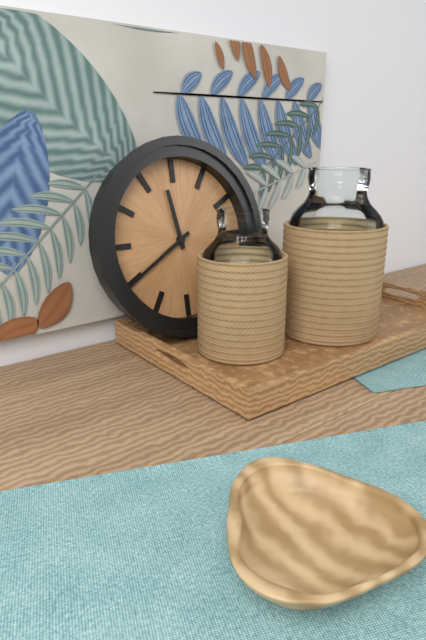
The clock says 11 h 40 min
